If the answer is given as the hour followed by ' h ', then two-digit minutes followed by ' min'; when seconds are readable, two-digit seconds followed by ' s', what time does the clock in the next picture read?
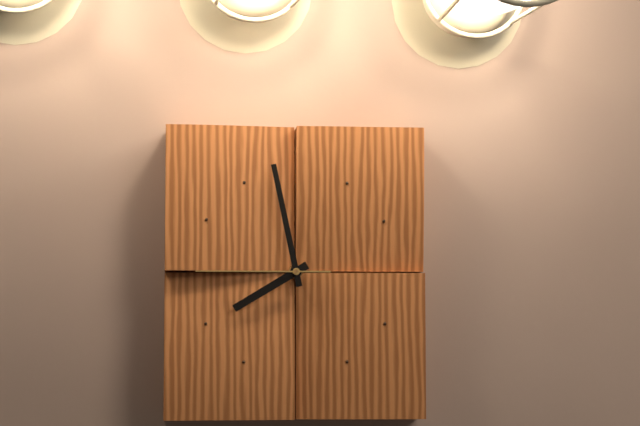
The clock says 7 h 58 min 45 s
